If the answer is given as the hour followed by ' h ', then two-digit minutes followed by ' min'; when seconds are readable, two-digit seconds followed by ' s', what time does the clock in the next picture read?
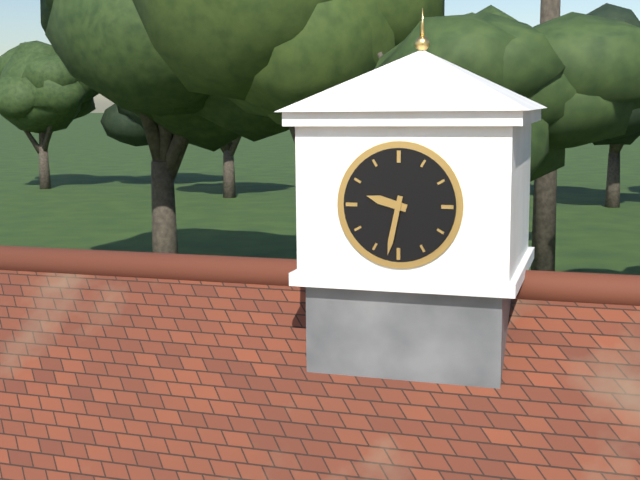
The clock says 9 h 32 min
